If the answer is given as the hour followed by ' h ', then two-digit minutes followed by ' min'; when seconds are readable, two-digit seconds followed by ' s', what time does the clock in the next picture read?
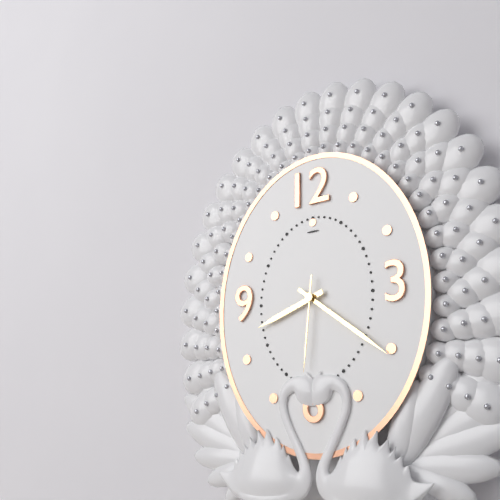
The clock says 8 h 21 min 31 s
